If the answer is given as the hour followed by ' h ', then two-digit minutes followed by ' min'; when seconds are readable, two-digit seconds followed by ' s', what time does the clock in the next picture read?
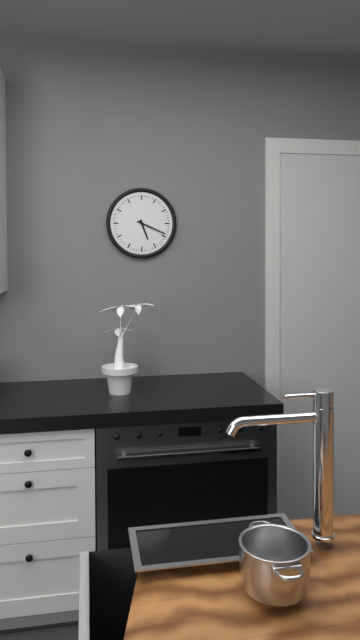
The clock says 5 h 19 min
